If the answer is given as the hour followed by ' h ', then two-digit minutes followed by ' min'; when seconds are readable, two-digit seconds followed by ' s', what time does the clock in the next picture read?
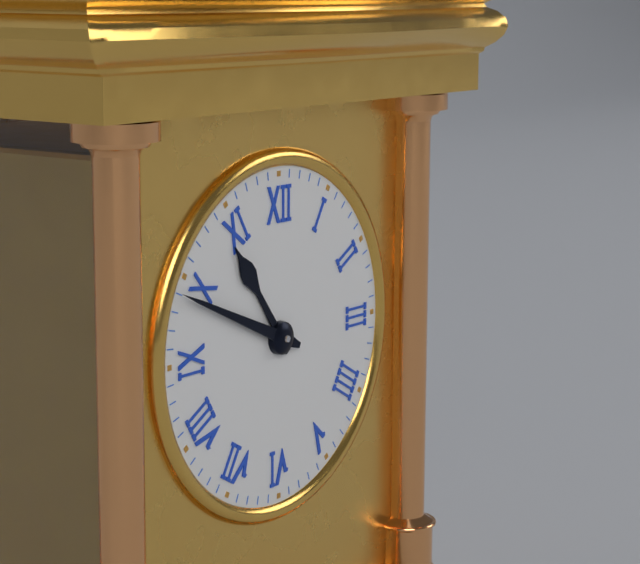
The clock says 10 h 49 min
